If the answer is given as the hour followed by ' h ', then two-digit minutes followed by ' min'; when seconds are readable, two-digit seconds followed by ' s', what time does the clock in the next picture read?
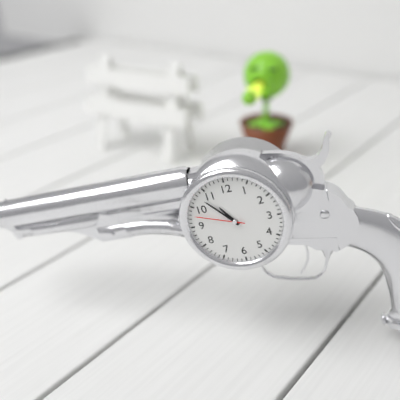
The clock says 10 h 53 min 48 s
